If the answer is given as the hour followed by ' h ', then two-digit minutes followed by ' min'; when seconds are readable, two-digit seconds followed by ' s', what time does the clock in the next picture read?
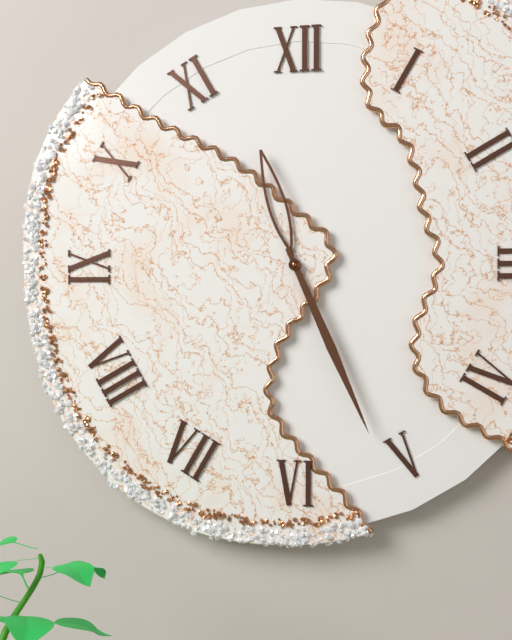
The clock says 11 h 26 min
